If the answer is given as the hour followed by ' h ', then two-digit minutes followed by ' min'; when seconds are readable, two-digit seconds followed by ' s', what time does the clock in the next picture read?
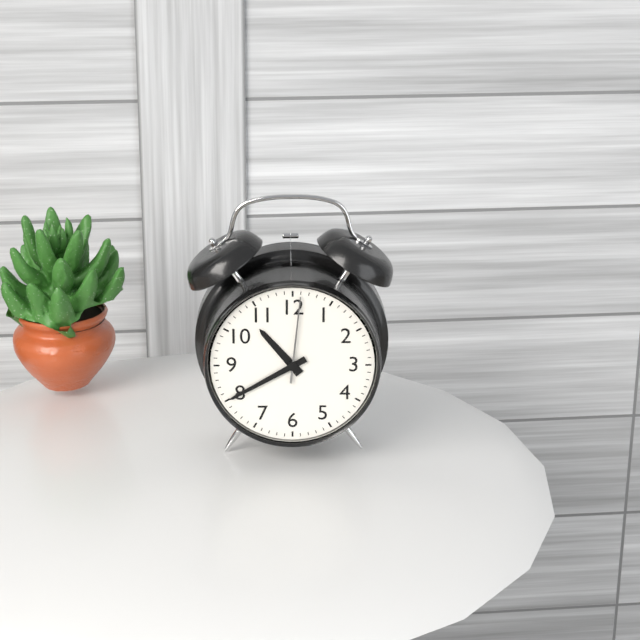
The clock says 10 h 40 min 01 s
